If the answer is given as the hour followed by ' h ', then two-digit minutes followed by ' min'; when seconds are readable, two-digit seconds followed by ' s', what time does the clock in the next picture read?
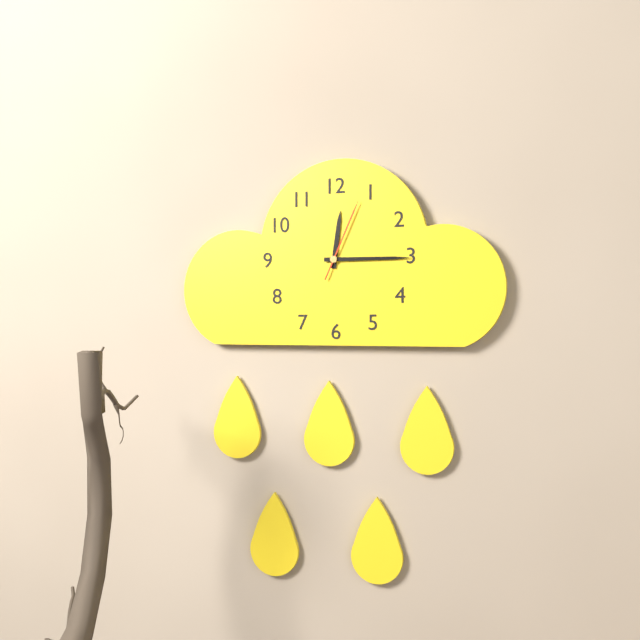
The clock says 12 h 15 min 04 s
